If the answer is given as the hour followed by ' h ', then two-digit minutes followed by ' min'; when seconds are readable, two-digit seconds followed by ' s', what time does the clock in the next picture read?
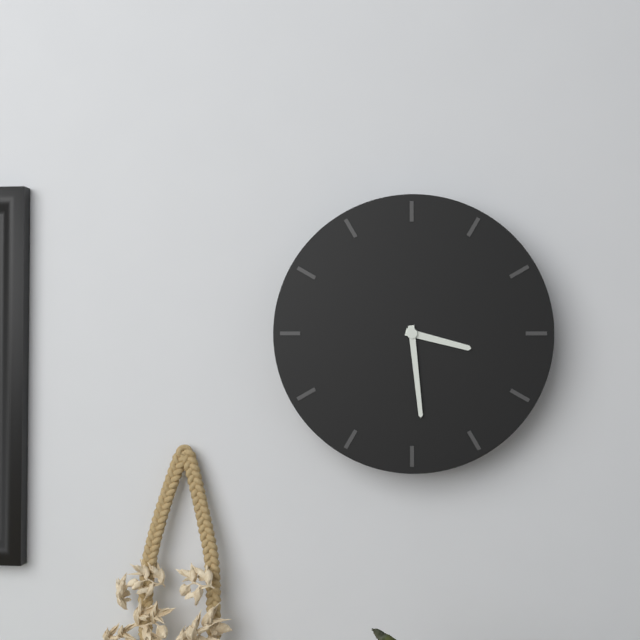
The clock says 3 h 29 min
